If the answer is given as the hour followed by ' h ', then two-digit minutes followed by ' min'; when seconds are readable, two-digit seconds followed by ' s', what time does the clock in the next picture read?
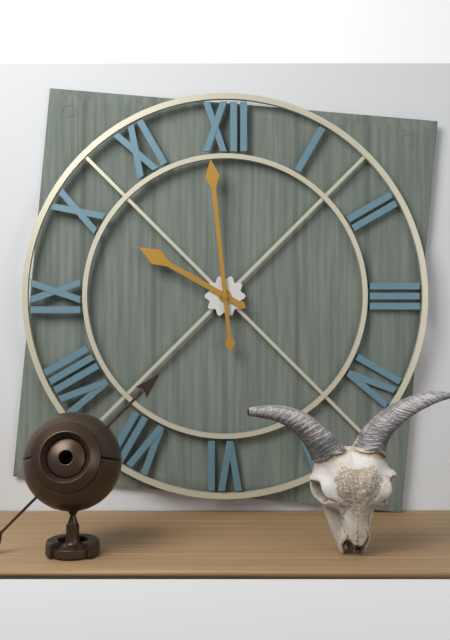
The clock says 9 h 59 min
